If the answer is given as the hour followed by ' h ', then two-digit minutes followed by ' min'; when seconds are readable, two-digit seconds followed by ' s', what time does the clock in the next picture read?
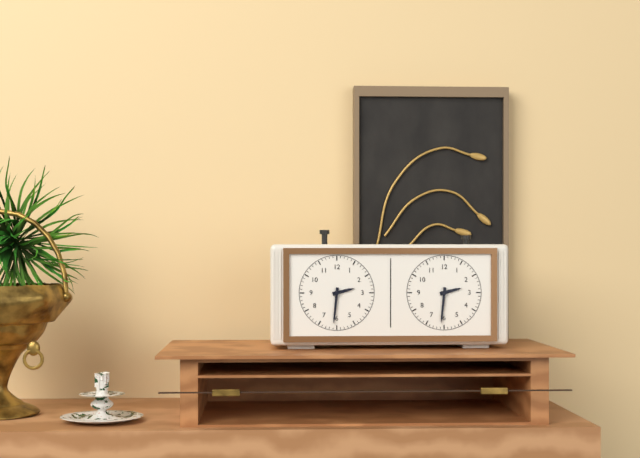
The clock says 2 h 31 min
